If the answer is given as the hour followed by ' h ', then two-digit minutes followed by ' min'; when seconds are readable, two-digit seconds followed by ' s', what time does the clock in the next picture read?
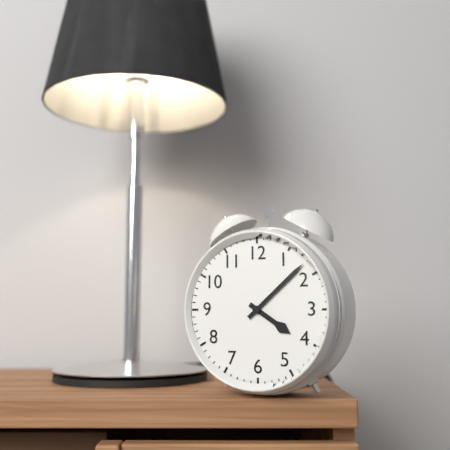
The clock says 4 h 08 min
